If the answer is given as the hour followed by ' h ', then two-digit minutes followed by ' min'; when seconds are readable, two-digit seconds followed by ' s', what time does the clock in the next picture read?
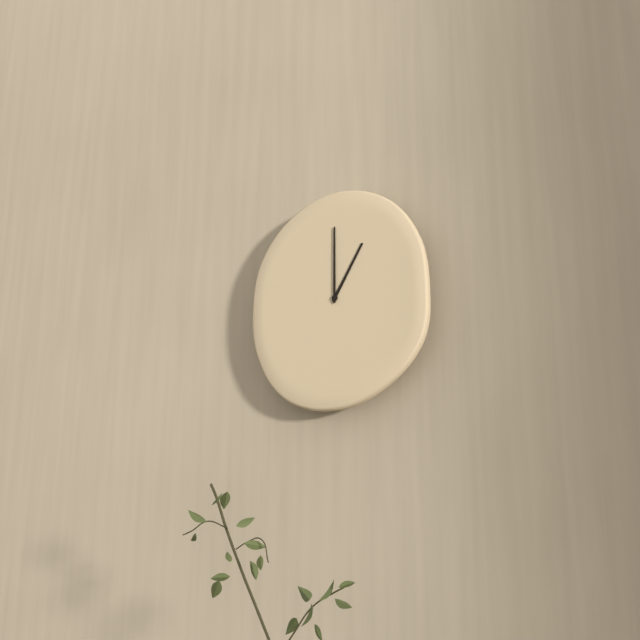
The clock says 1 h 00 min
